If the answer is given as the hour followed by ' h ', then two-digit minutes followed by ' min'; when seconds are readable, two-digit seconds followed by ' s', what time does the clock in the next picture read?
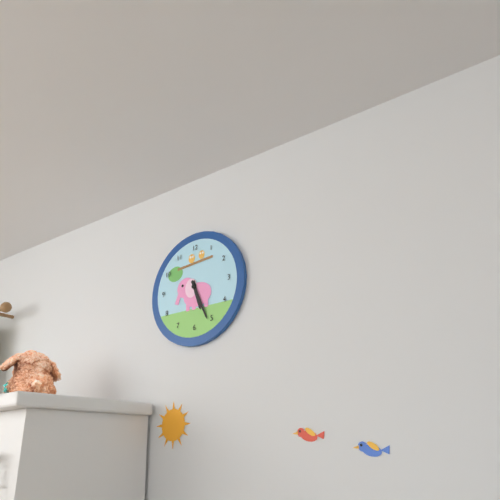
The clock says 5 h 26 min
